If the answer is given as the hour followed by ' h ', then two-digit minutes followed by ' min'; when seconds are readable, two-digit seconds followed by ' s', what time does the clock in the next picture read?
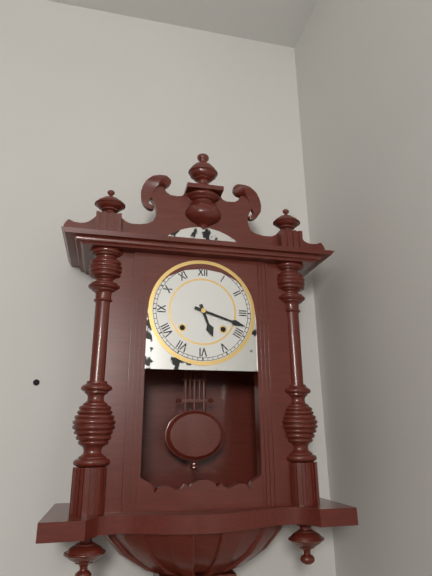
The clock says 5 h 18 min
